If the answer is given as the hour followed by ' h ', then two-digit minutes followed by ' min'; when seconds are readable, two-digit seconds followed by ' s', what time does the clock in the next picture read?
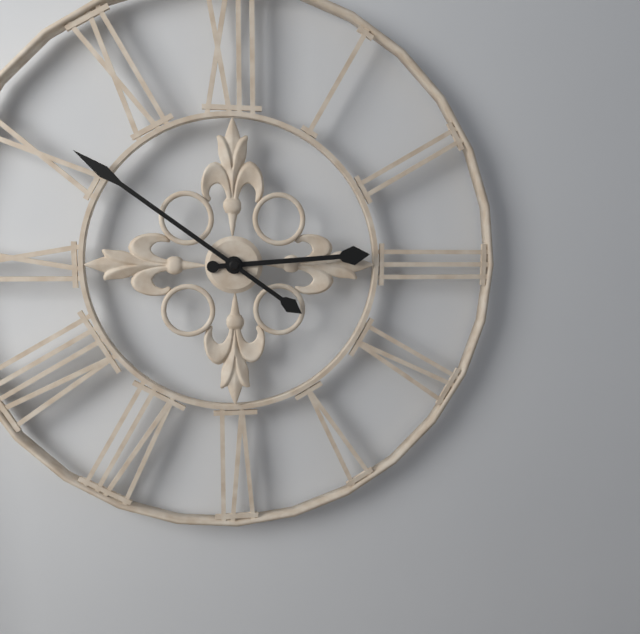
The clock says 2 h 51 min
